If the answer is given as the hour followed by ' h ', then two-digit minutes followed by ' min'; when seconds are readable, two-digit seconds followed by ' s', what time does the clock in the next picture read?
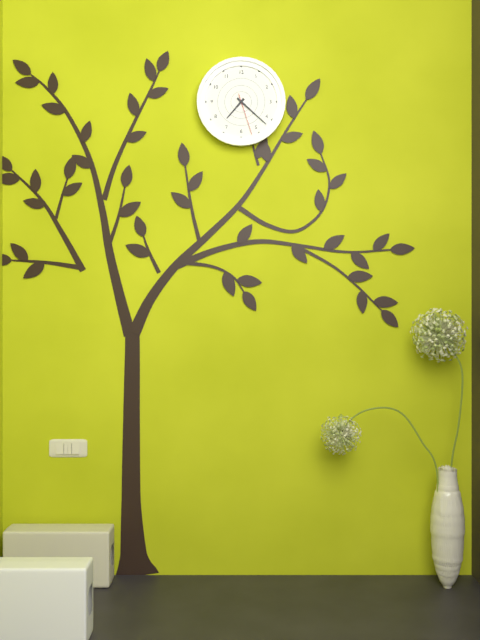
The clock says 7 h 22 min
